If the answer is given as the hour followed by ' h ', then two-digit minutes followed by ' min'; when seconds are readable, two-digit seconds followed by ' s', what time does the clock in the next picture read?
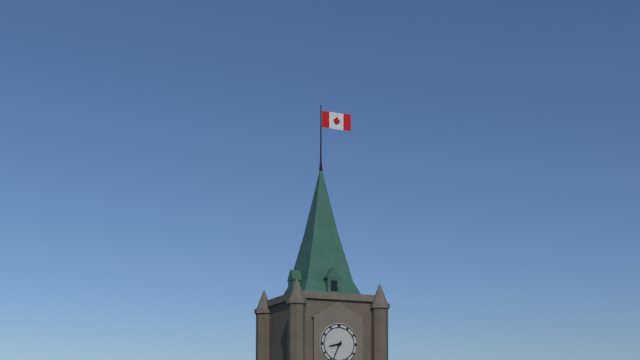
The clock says 8 h 34 min
